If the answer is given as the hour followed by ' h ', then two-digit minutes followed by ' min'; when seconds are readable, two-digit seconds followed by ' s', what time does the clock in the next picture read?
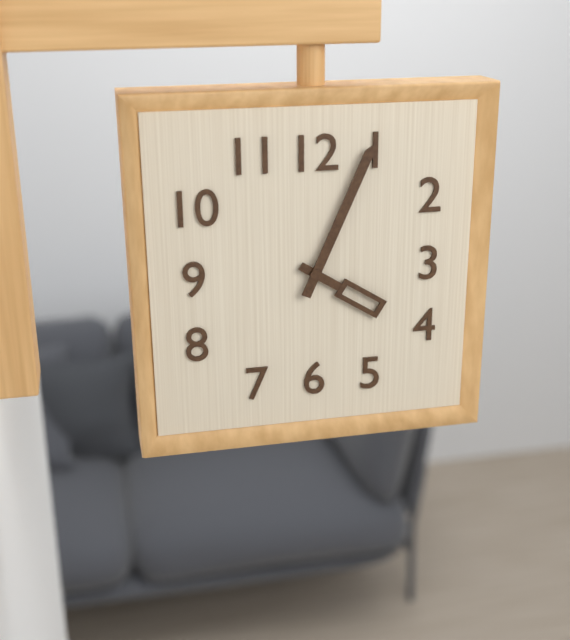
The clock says 4 h 04 min
